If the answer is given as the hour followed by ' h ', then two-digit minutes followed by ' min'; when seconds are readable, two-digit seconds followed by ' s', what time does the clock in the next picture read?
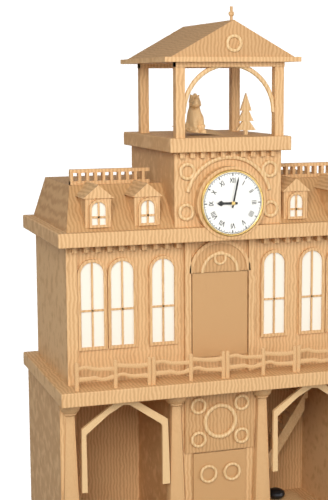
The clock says 9 h 02 min
